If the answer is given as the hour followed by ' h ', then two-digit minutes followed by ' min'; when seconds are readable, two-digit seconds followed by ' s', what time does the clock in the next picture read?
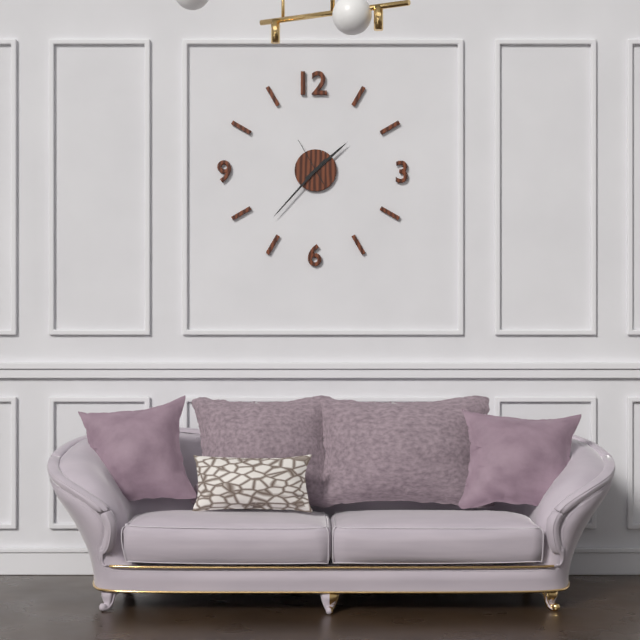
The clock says 1 h 37 min
